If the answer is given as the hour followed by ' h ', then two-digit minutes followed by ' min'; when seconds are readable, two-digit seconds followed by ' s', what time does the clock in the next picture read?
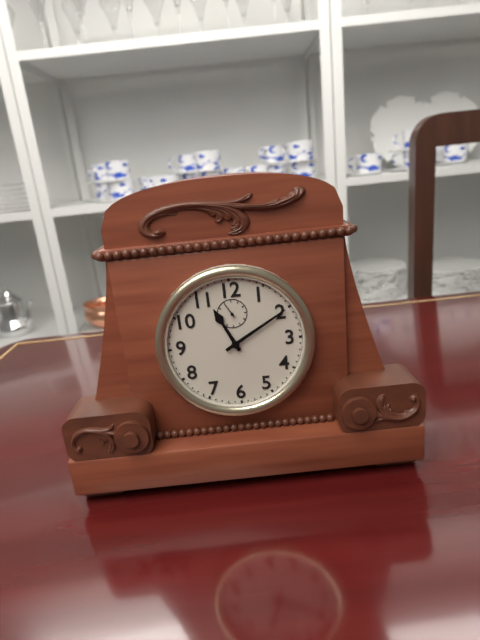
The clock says 11 h 10 min
